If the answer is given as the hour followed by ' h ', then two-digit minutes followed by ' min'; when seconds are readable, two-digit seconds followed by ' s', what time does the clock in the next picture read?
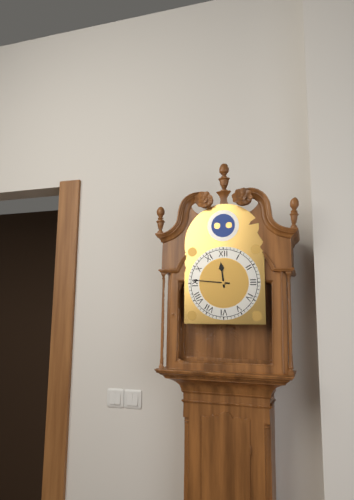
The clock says 11 h 46 min
